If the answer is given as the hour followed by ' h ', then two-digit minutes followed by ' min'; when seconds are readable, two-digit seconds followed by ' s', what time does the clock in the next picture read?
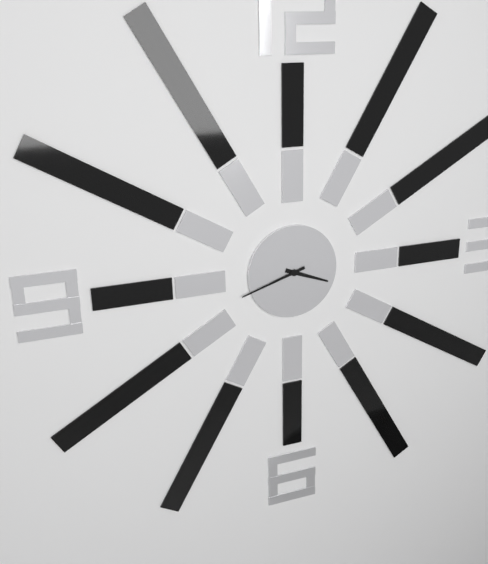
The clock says 3 h 42 min
